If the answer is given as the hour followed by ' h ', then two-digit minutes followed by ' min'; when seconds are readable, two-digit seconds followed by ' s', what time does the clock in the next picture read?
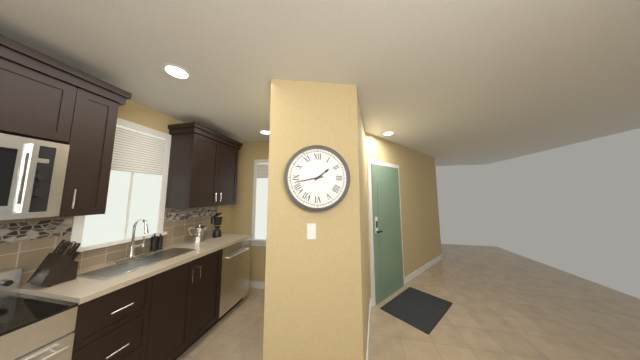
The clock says 1 h 43 min
